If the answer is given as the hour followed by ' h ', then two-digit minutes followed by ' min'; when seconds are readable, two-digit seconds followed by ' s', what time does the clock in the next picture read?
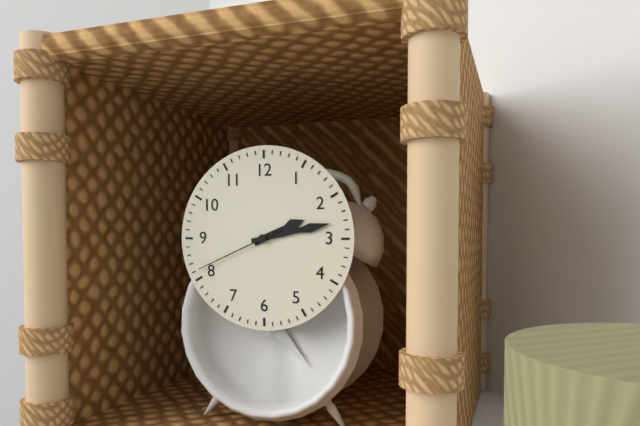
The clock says 2 h 13 min 41 s
